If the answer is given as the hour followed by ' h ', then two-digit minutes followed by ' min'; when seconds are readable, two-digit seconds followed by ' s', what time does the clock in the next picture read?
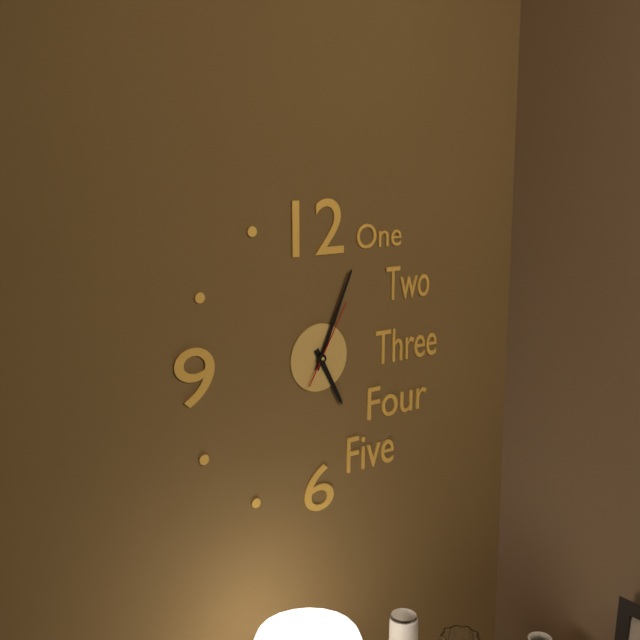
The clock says 5 h 04 min 05 s
